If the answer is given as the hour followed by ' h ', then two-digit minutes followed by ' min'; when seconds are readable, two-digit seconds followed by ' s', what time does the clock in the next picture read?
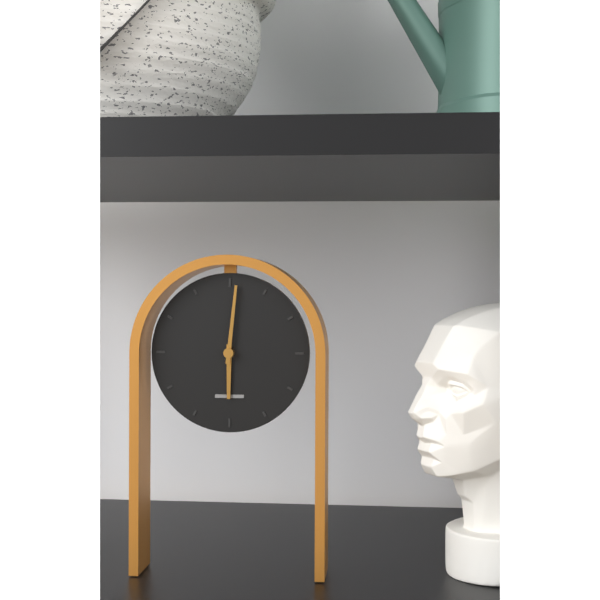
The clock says 6 h 01 min
